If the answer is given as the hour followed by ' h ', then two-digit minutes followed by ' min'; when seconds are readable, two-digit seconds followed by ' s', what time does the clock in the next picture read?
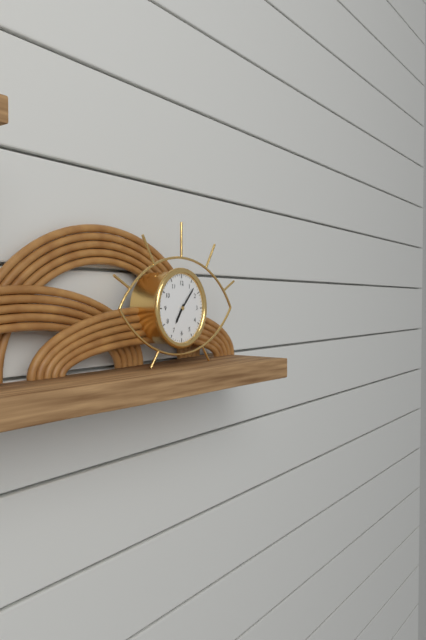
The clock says 7 h 07 min
